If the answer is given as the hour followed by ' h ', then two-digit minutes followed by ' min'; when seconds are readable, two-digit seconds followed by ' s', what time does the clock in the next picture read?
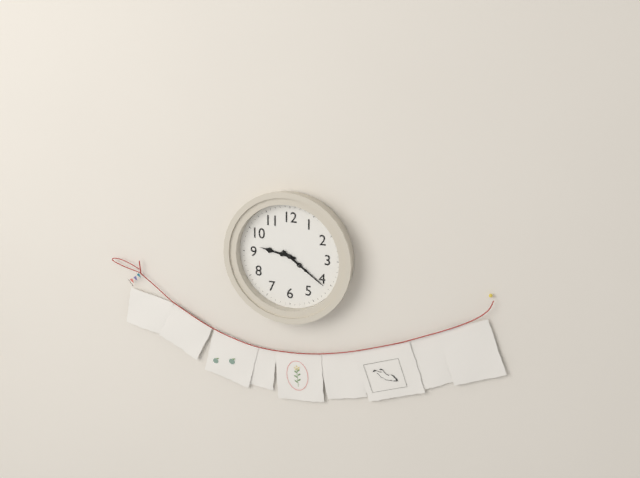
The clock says 9 h 21 min
